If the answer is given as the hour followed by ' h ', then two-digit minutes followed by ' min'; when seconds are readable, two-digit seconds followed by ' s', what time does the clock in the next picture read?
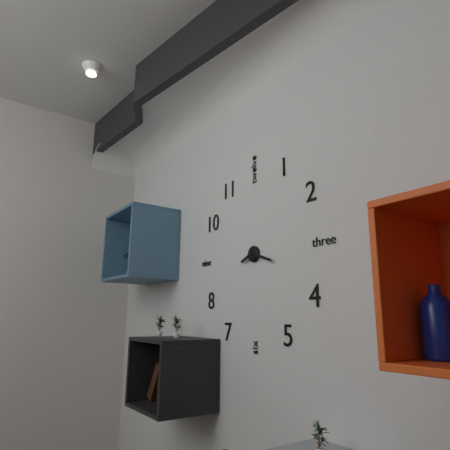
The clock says 8 h 18 min
